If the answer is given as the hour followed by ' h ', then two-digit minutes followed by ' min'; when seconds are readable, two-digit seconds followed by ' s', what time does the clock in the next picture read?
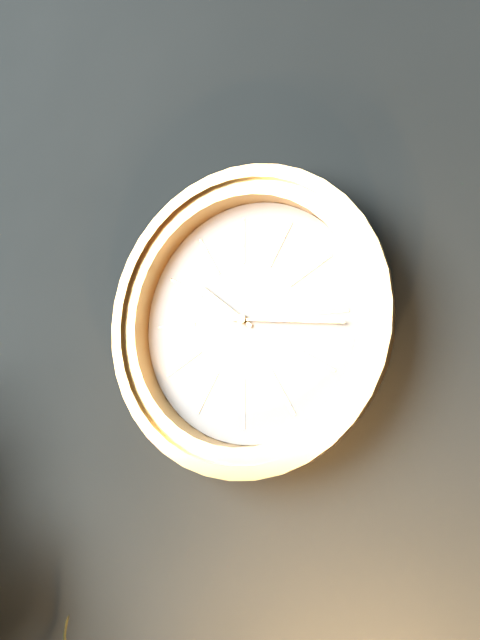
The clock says 10 h 16 min
